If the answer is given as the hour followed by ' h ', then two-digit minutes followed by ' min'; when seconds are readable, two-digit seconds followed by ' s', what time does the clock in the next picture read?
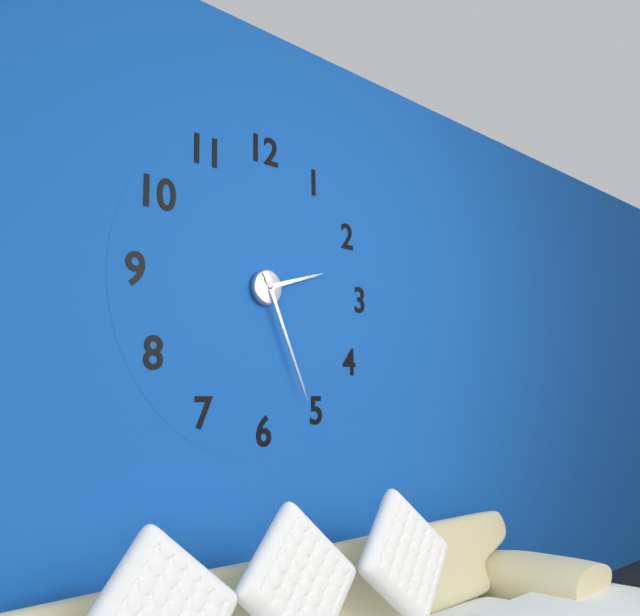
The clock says 2 h 26 min
